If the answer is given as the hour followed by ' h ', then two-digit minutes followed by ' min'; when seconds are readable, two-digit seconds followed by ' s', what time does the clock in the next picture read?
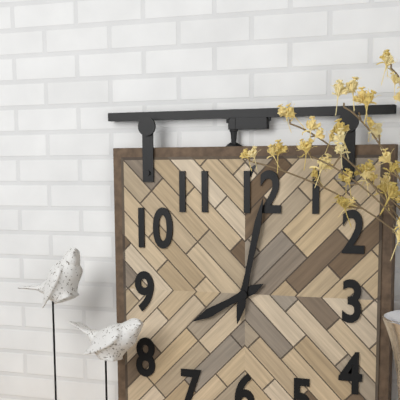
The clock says 8 h 02 min
